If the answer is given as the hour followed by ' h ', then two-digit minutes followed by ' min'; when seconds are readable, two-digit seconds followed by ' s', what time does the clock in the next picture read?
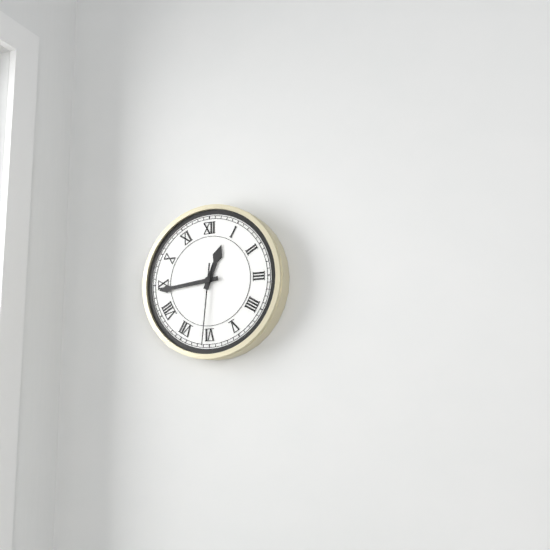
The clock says 12 h 44 min 31 s
